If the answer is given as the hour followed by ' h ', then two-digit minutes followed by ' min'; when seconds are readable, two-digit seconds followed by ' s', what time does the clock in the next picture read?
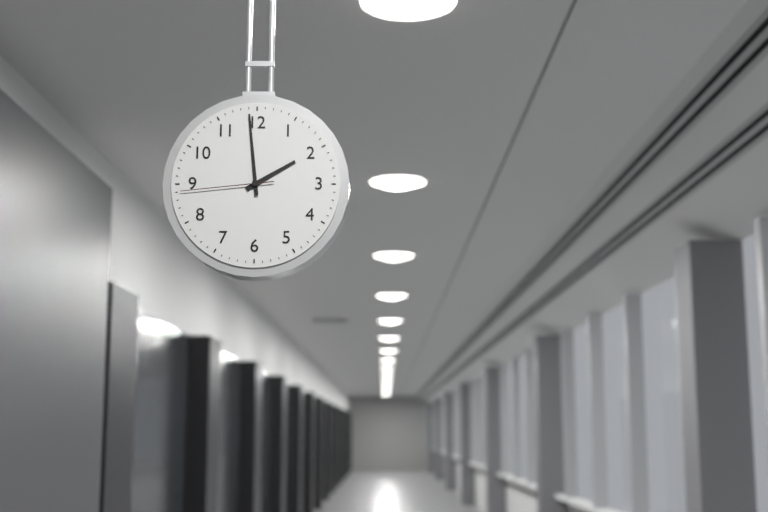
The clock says 1 h 59 min 44 s
